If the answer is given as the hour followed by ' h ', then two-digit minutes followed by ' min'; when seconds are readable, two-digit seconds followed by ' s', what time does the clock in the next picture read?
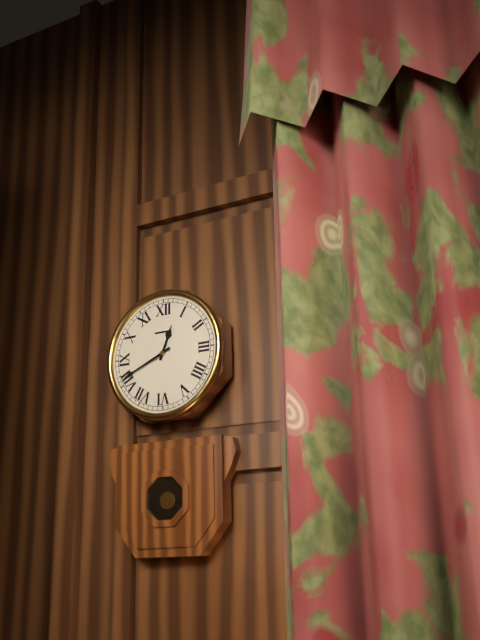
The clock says 12 h 41 min
